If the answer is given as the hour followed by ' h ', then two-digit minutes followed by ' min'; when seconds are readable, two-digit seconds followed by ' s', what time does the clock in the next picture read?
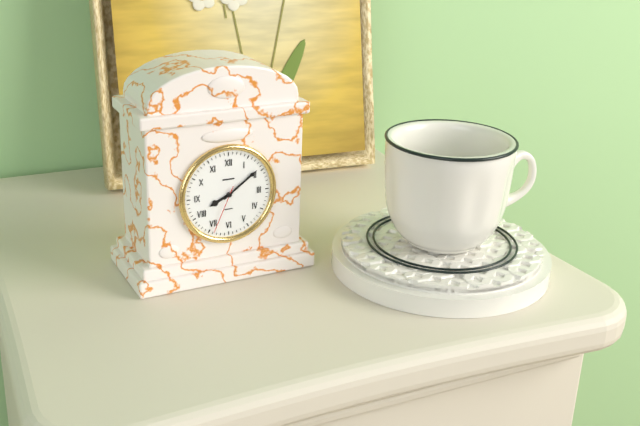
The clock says 8 h 09 min 34 s
